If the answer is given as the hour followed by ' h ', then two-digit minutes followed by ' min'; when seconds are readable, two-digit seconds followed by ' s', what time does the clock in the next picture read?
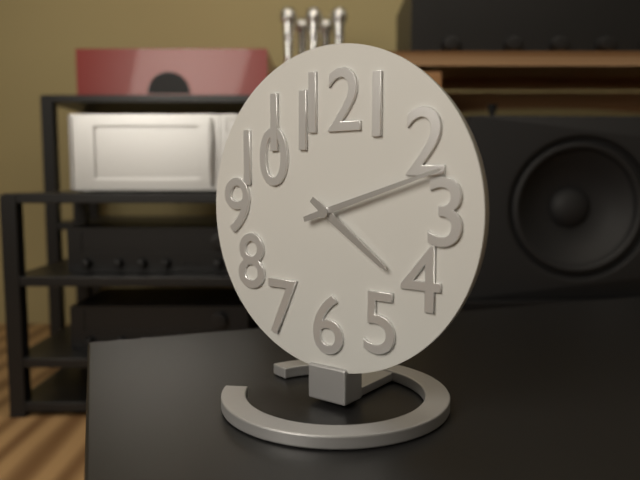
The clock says 4 h 12 min
